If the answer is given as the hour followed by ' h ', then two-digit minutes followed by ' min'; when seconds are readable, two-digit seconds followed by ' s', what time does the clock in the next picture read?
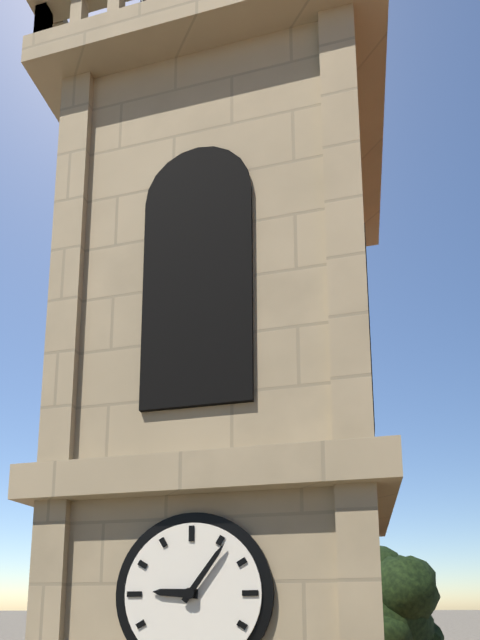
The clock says 9 h 06 min
